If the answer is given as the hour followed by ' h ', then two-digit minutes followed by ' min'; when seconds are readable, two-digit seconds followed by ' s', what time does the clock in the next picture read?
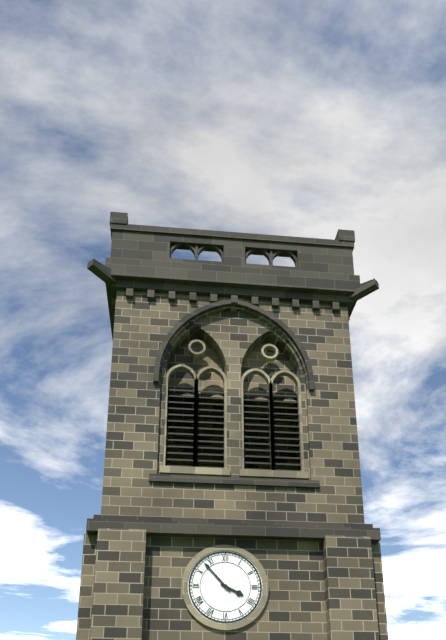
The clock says 3 h 53 min
